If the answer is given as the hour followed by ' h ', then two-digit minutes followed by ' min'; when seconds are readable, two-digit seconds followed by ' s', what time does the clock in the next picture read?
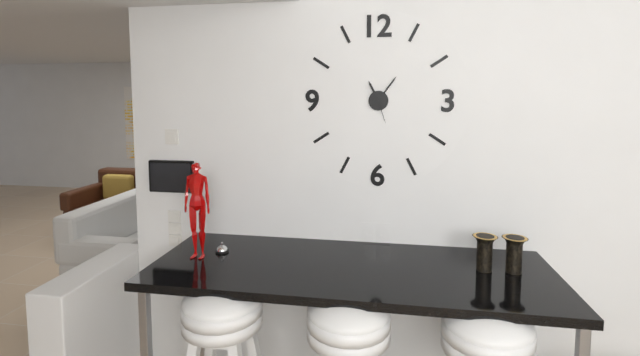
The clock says 11 h 06 min
